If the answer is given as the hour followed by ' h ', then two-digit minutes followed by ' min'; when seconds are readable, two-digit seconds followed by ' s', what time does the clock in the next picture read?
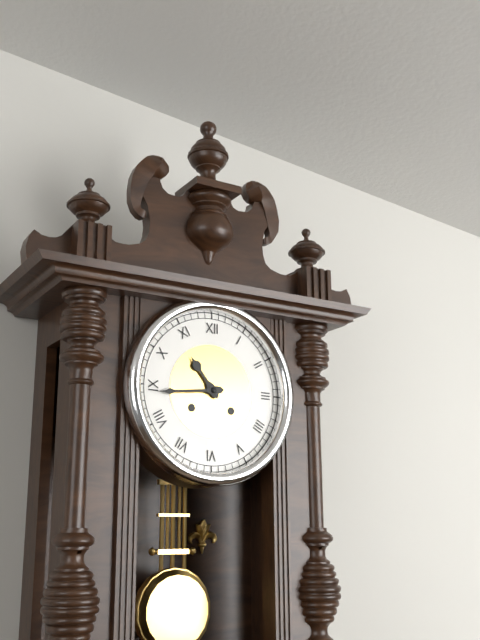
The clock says 10 h 44 min
